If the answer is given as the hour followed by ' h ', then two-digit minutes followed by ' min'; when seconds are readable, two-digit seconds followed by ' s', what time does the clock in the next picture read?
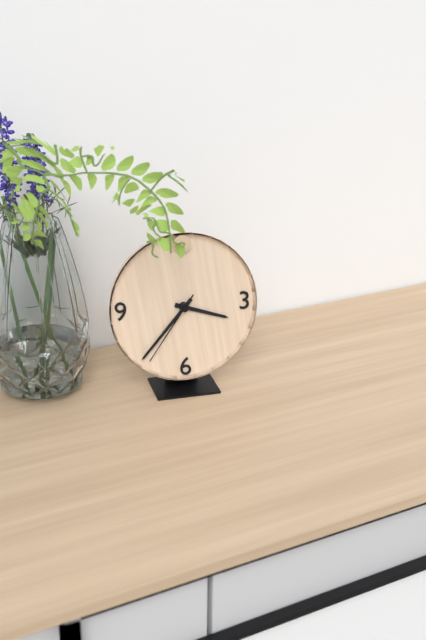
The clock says 3 h 37 min 36 s
